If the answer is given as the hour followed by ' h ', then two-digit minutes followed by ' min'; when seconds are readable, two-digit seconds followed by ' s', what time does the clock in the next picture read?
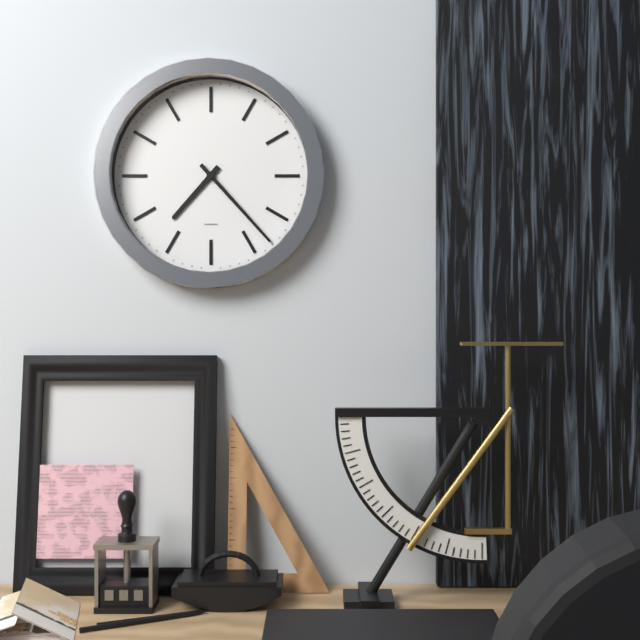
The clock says 7 h 23 min
